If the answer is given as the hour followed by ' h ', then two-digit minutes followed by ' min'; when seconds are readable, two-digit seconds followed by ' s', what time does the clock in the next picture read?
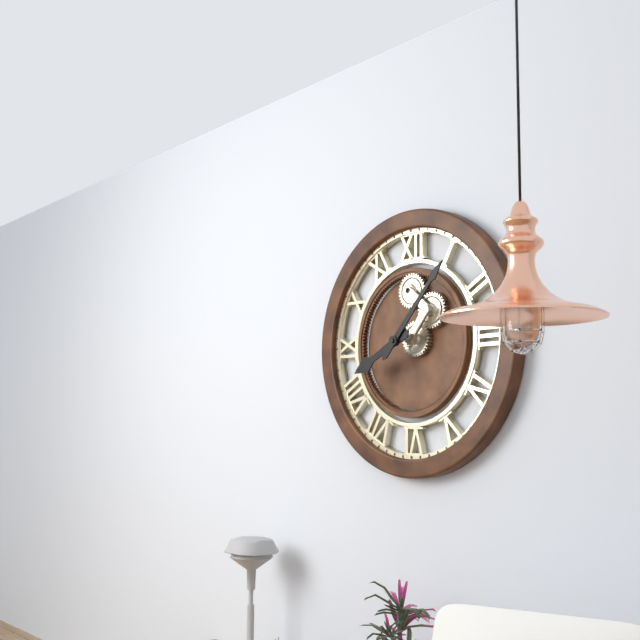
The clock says 8 h 07 min
